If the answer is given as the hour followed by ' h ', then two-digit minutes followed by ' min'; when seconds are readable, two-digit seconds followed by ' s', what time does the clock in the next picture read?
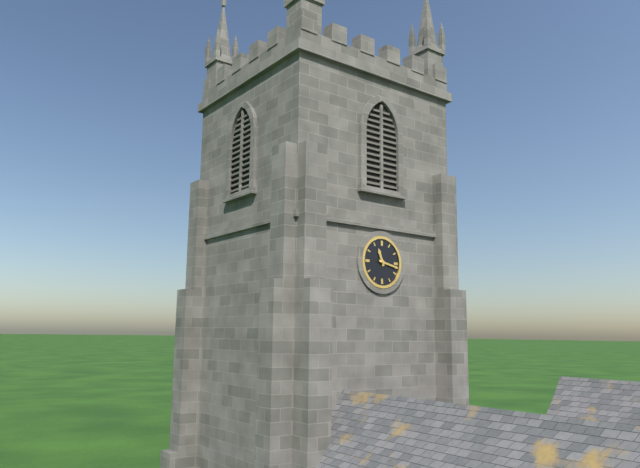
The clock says 11 h 17 min
